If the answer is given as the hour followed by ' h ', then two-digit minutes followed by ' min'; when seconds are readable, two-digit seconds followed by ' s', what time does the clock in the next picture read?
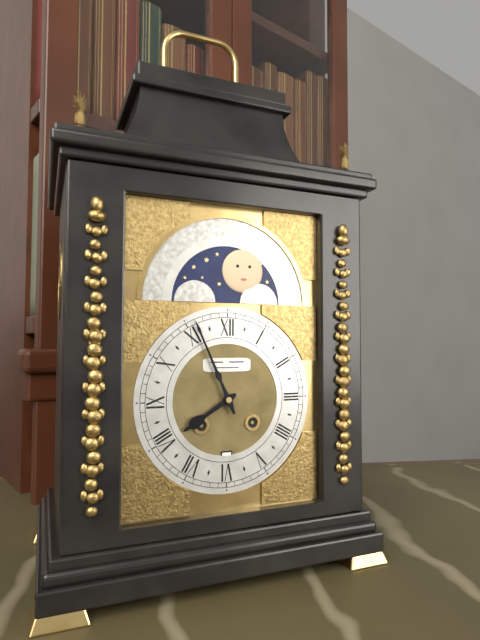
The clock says 7 h 56 min
